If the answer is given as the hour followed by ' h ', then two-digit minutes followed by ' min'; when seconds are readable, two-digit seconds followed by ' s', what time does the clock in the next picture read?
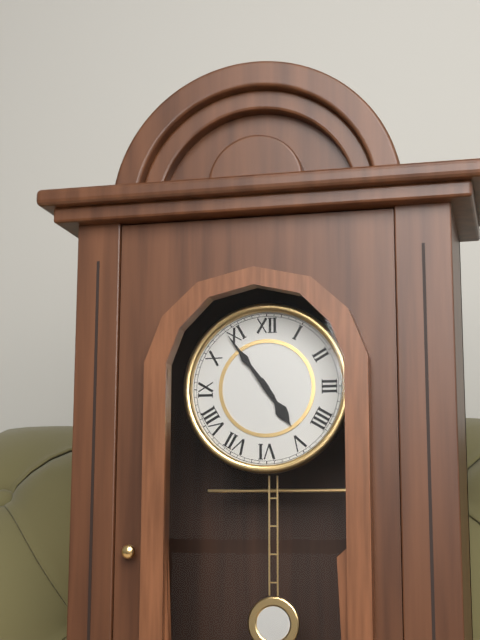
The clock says 4 h 54 min
